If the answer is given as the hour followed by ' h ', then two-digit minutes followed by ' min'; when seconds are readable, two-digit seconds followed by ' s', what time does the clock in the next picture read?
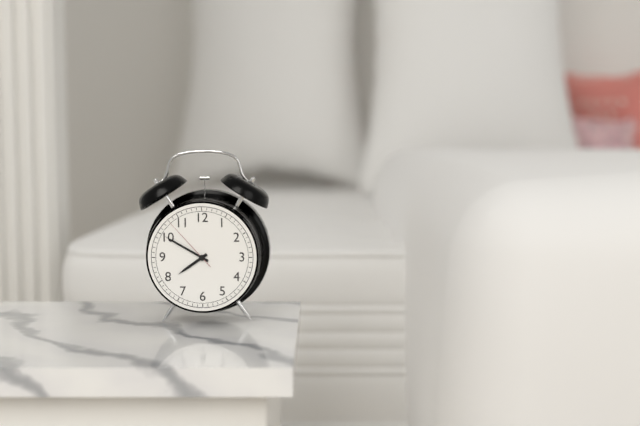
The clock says 7 h 50 min 53 s
